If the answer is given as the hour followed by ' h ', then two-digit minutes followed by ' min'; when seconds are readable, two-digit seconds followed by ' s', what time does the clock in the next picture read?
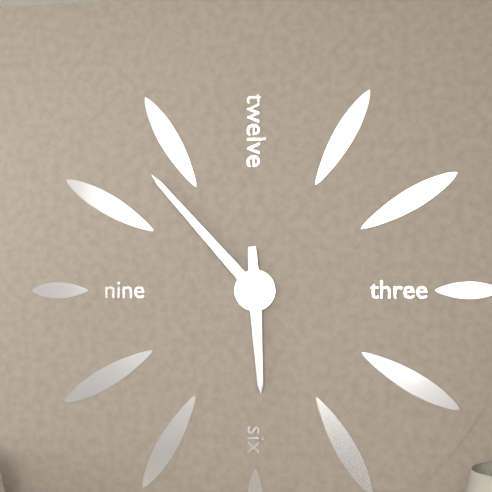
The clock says 5 h 53 min
